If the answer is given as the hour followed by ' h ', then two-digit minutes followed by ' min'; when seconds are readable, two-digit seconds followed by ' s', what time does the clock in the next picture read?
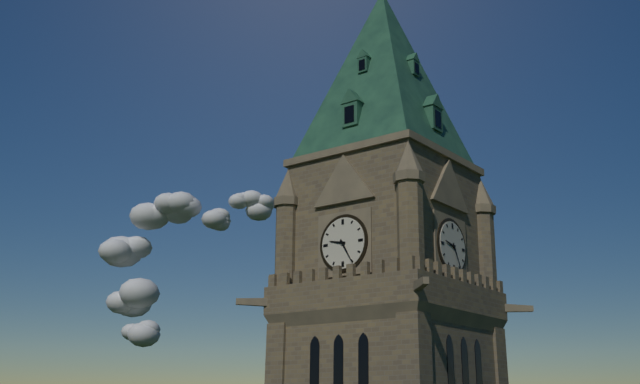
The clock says 9 h 25 min
